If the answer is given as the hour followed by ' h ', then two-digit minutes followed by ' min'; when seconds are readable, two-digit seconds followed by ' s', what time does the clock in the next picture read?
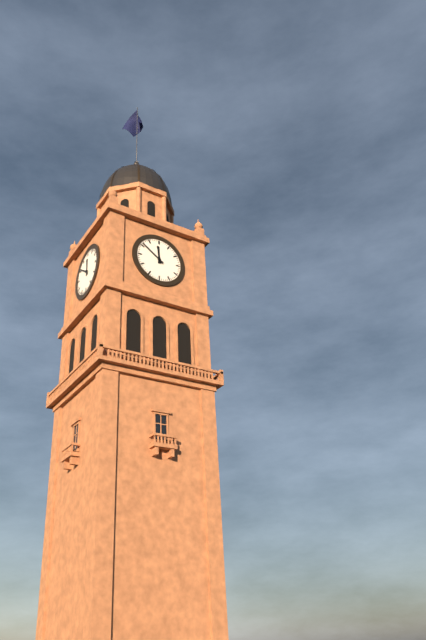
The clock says 11 h 51 min
